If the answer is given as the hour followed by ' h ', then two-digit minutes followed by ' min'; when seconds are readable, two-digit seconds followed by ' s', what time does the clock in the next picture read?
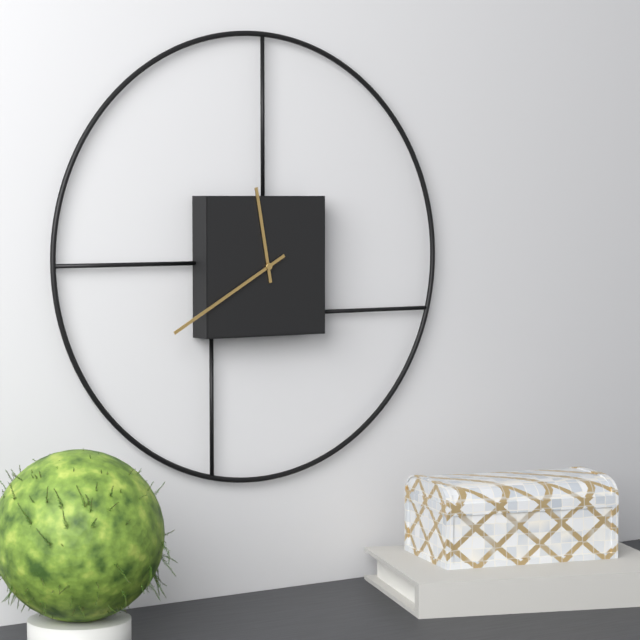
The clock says 11 h 40 min
